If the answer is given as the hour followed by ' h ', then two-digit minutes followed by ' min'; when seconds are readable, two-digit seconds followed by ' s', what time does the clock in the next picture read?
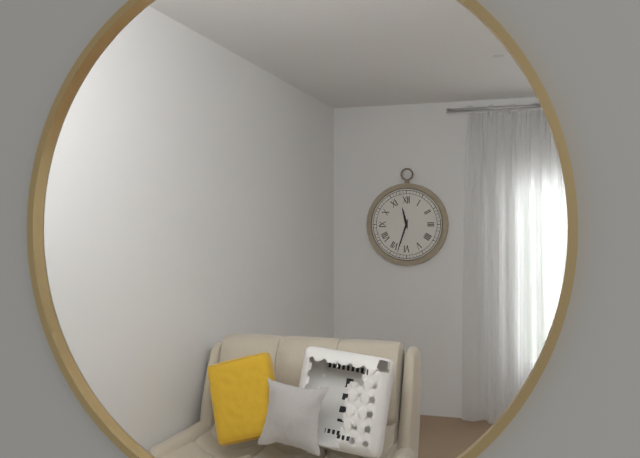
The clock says 11 h 33 min
